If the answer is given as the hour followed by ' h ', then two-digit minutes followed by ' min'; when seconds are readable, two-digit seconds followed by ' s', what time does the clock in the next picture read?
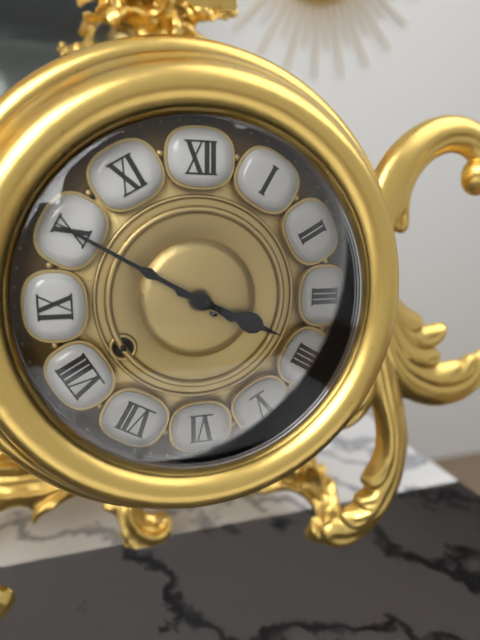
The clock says 3 h 50 min
